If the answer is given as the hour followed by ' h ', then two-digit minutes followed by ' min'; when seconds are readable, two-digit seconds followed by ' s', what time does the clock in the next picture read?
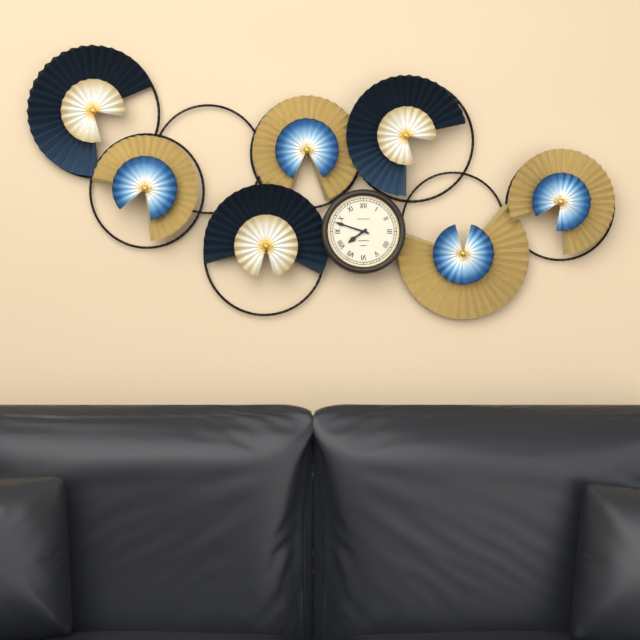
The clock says 7 h 48 min
